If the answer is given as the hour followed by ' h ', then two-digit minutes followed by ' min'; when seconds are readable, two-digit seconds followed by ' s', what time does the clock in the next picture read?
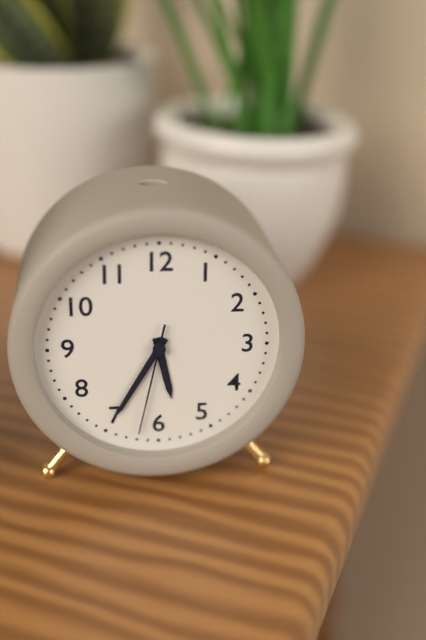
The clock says 5 h 35 min 32 s
